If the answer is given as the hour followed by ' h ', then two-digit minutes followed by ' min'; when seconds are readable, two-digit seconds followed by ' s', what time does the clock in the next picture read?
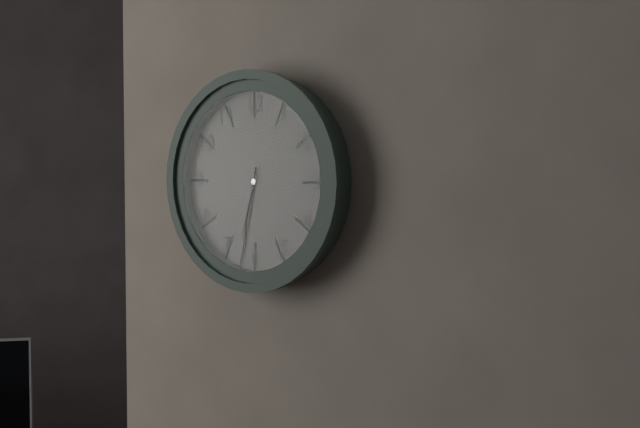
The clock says 6 h 32 min
